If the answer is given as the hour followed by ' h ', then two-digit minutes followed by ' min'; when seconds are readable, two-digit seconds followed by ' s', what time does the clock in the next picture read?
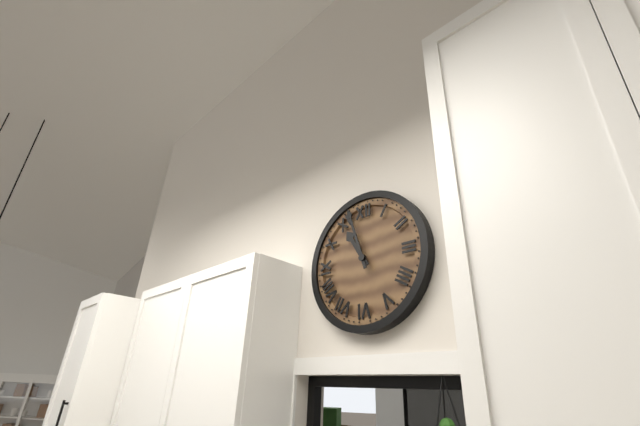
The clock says 10 h 57 min
